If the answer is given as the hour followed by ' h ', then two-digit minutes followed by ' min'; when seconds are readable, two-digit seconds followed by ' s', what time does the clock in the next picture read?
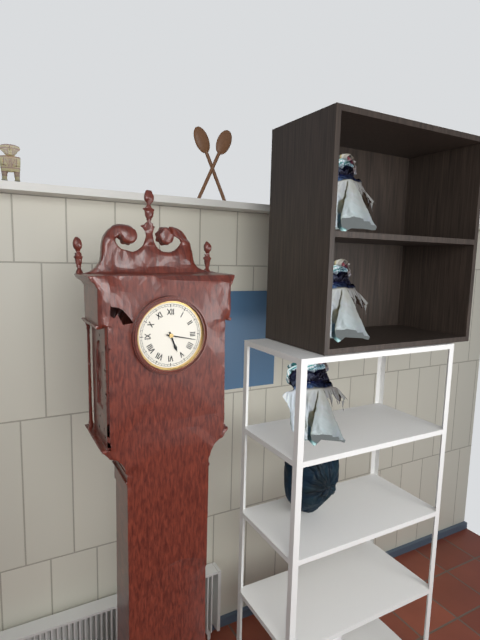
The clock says 5 h 17 min
